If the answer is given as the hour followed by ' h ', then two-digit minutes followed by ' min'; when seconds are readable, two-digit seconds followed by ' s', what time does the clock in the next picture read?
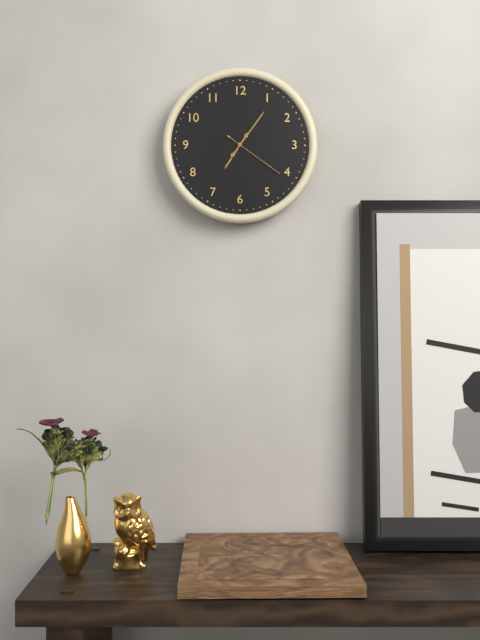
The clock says 7 h 06 min 21 s
